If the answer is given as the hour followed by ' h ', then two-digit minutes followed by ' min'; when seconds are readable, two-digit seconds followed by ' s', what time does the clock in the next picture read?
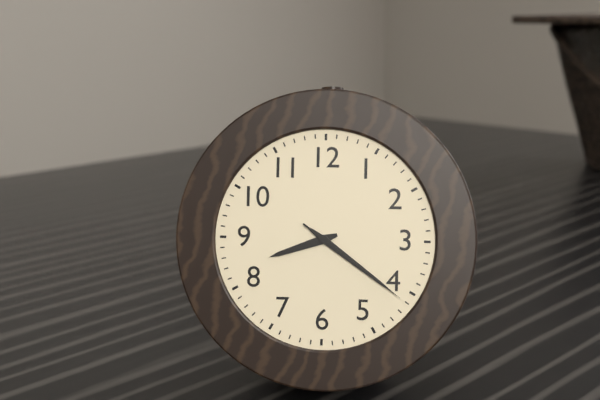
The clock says 8 h 21 min 21 s
